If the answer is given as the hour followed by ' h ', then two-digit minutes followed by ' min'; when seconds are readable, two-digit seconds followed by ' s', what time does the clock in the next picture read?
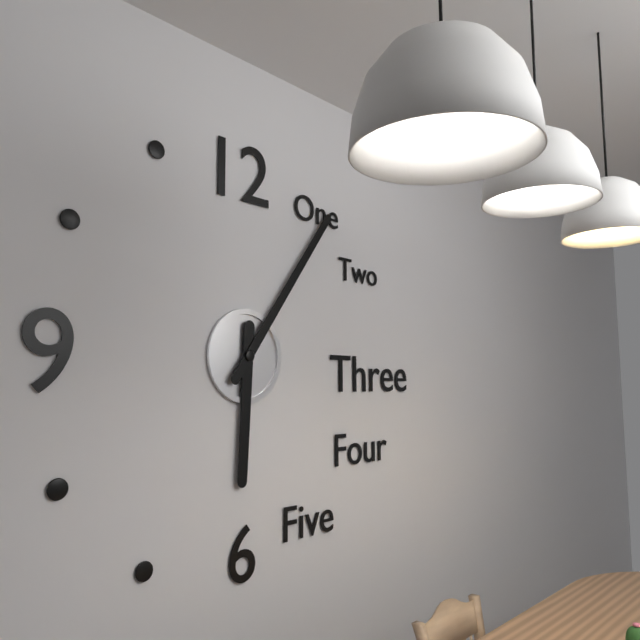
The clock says 6 h 06 min
